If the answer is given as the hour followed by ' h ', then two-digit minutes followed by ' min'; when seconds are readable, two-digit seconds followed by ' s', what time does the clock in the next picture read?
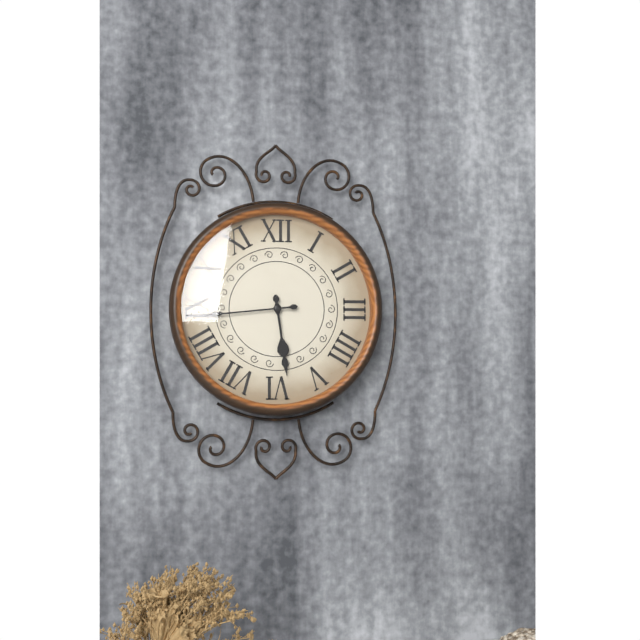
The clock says 5 h 44 min
